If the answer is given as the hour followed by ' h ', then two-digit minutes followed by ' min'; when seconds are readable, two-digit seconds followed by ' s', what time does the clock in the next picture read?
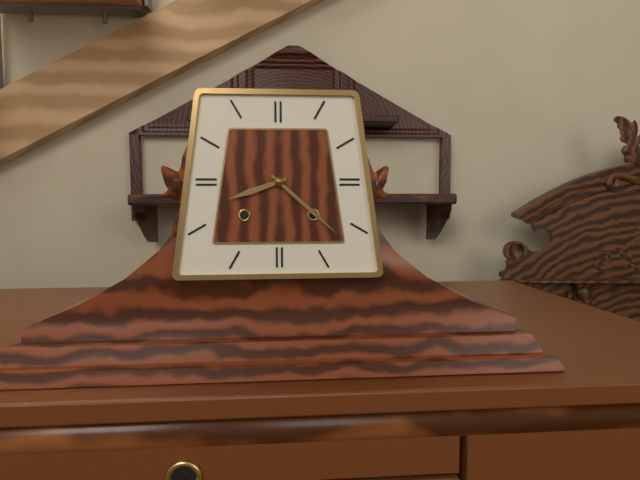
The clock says 8 h 22 min
